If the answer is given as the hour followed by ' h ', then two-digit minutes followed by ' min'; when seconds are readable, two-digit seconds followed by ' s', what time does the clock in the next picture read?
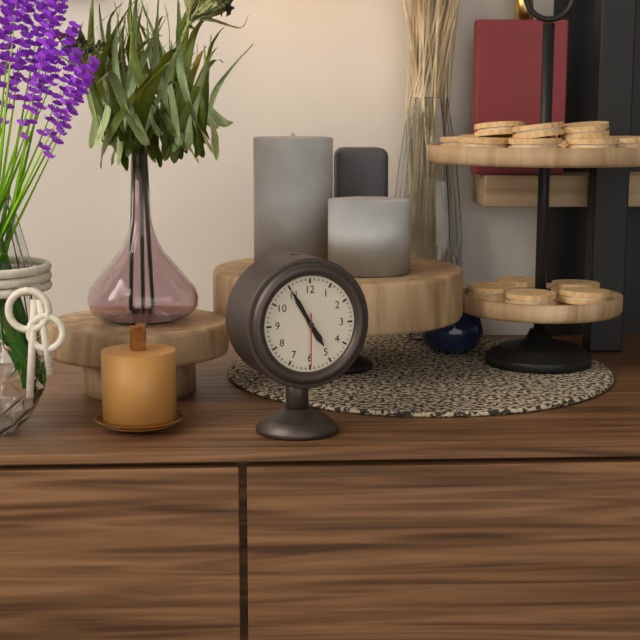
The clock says 4 h 55 min 30 s
